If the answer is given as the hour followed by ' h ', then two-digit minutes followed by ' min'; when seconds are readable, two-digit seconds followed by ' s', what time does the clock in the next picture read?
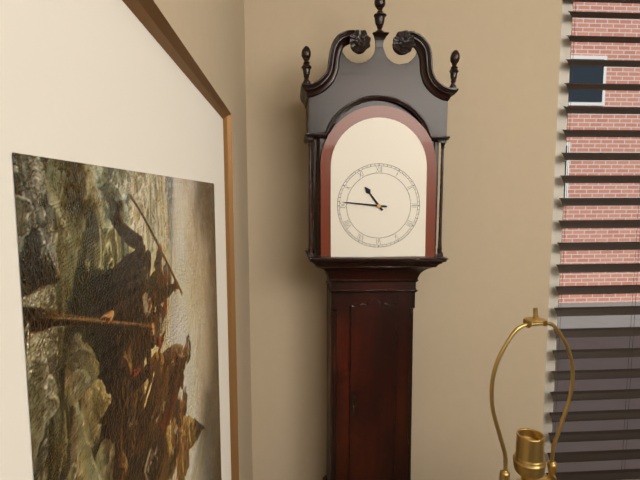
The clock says 10 h 46 min
